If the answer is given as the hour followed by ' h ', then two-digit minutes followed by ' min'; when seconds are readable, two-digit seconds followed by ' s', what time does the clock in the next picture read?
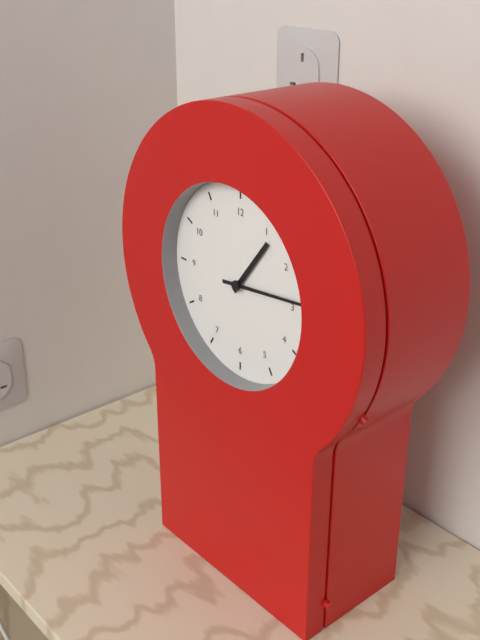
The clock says 1 h 14 min
